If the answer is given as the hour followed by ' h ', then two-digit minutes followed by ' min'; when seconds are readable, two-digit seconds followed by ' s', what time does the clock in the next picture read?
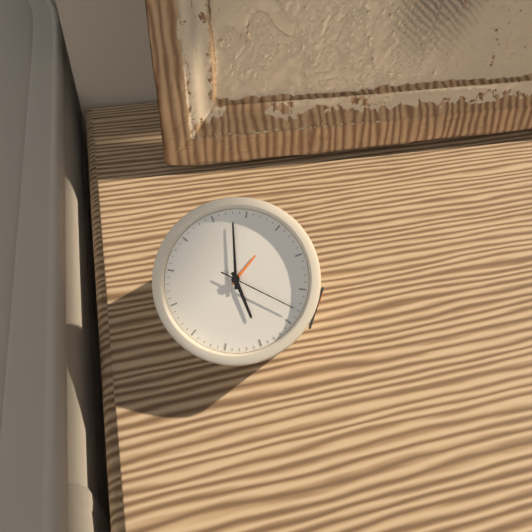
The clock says 4 h 58 min 18 s
